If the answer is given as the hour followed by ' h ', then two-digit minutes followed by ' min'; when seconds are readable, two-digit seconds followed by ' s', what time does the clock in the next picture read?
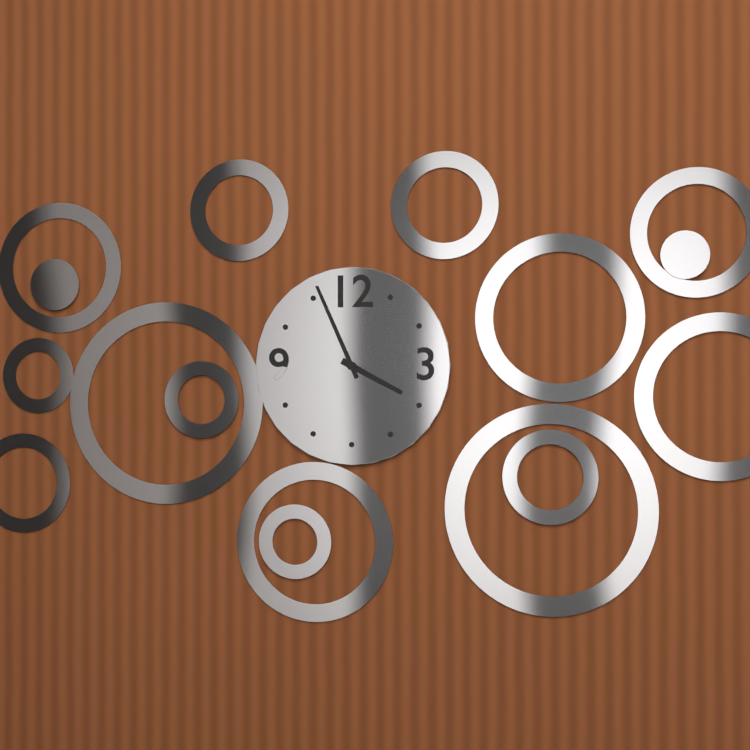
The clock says 3 h 56 min
